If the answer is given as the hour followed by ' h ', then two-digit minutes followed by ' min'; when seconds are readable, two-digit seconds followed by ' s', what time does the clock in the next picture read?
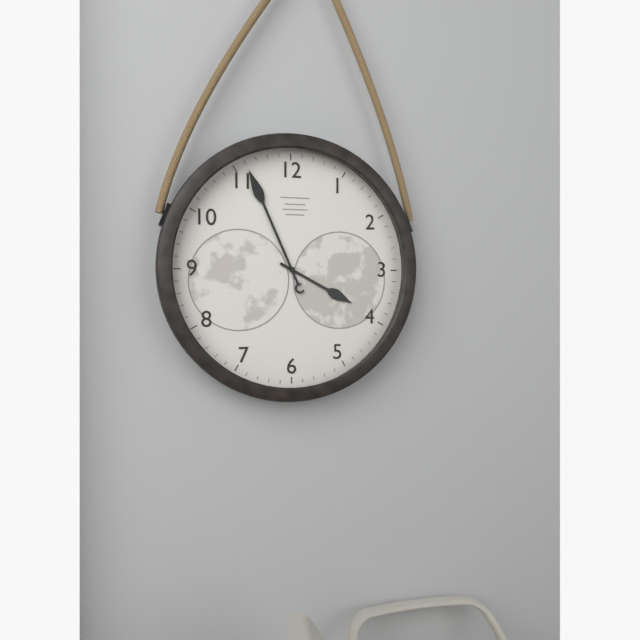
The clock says 3 h 56 min
